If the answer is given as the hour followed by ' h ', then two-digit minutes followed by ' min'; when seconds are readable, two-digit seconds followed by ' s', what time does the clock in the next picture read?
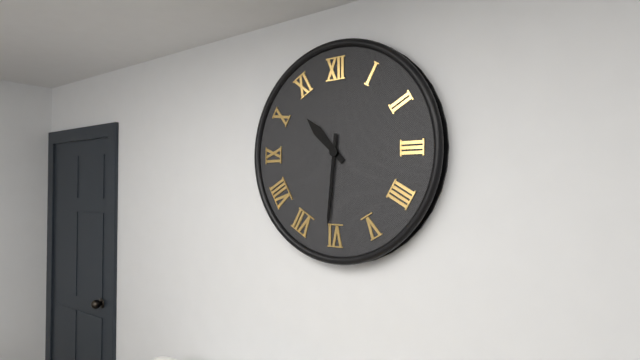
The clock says 10 h 31 min
